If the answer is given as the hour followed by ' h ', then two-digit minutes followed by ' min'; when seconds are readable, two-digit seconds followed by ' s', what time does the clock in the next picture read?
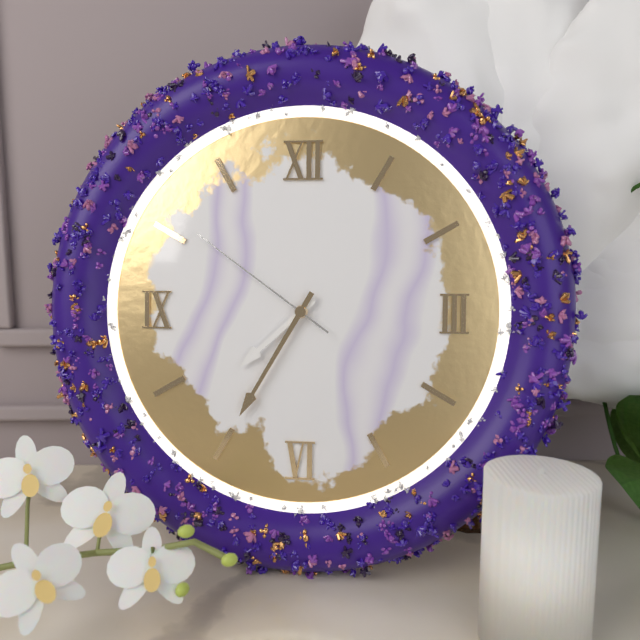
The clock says 7 h 35 min 51 s
